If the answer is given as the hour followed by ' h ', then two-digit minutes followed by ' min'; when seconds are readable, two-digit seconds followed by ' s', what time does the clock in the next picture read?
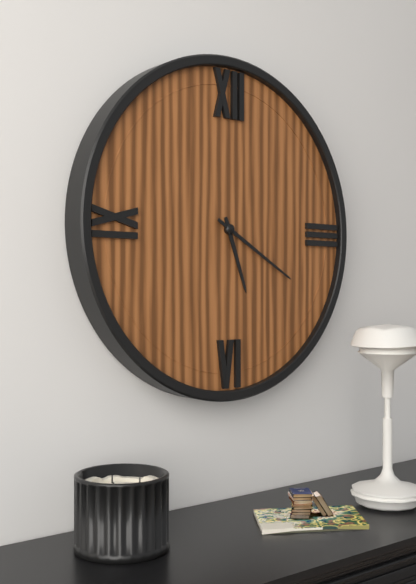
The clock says 5 h 20 min
